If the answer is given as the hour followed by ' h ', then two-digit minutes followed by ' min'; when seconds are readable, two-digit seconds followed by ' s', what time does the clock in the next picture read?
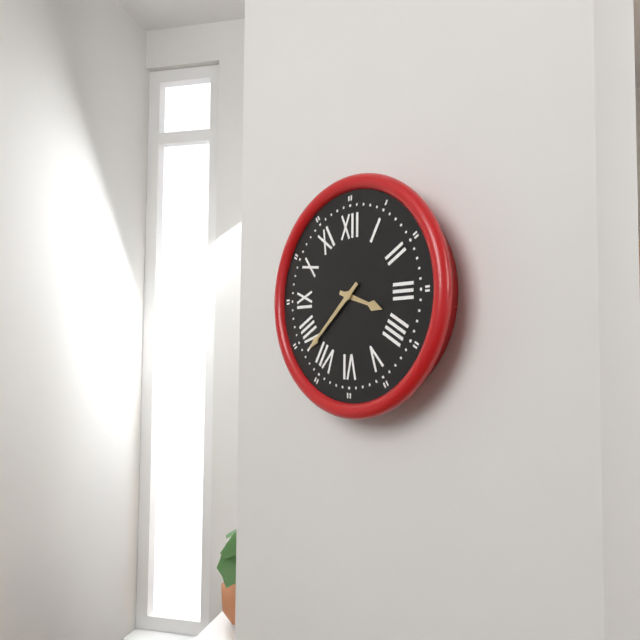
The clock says 3 h 38 min
